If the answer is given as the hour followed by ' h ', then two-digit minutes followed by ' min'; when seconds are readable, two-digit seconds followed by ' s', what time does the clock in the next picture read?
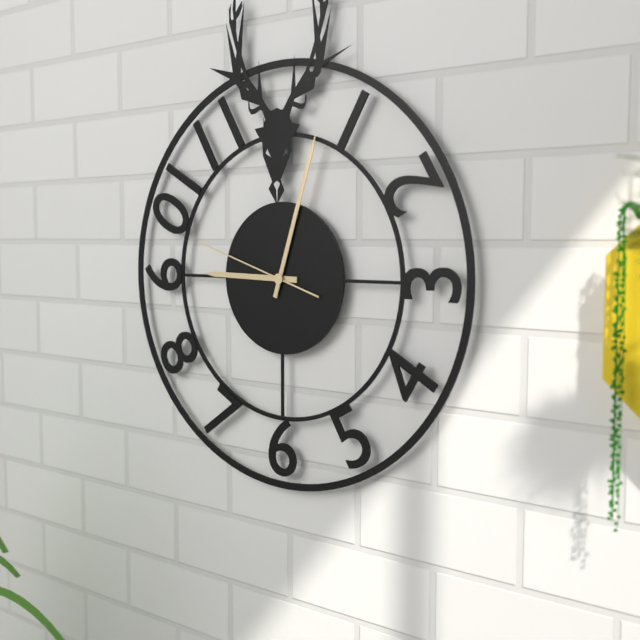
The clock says 9 h 03 min 48 s
